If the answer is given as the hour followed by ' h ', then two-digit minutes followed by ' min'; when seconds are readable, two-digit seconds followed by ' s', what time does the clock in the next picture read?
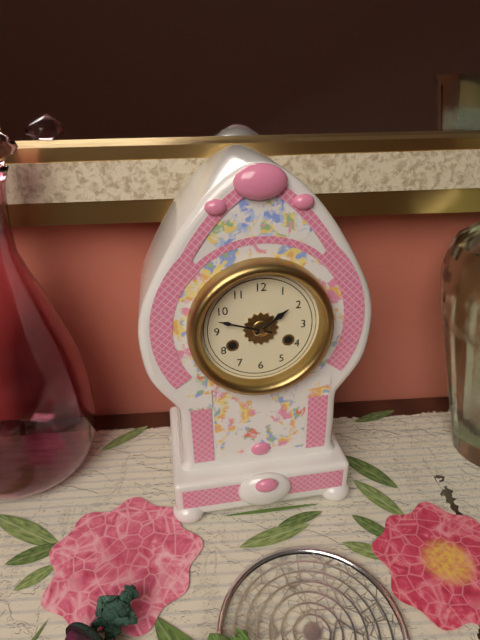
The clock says 1 h 48 min
